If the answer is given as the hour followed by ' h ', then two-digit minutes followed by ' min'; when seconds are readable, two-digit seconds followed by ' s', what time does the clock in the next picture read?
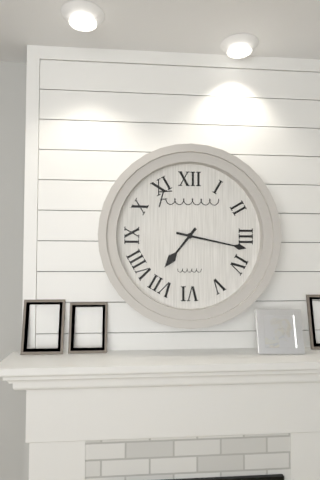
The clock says 7 h 17 min
